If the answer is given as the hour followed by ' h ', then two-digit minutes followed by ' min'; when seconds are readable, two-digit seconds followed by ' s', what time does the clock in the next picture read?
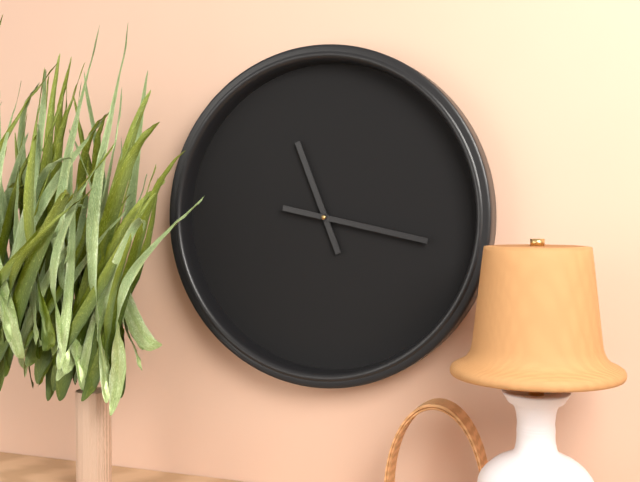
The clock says 11 h 17 min
